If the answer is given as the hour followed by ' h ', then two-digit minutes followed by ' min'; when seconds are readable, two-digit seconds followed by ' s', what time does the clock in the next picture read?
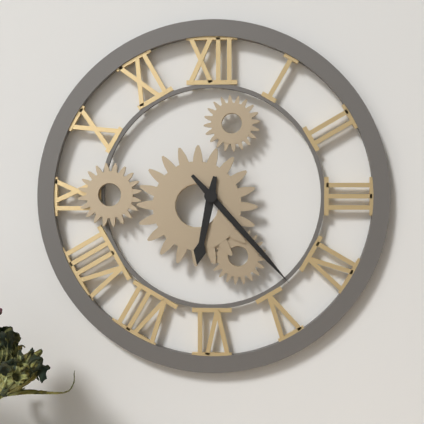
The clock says 6 h 23 min
